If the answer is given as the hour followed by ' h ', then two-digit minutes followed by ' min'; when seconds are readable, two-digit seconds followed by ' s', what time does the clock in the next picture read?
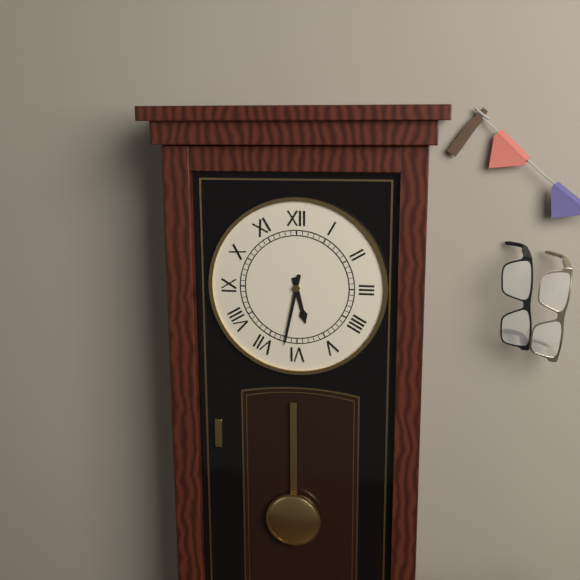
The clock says 5 h 32 min
